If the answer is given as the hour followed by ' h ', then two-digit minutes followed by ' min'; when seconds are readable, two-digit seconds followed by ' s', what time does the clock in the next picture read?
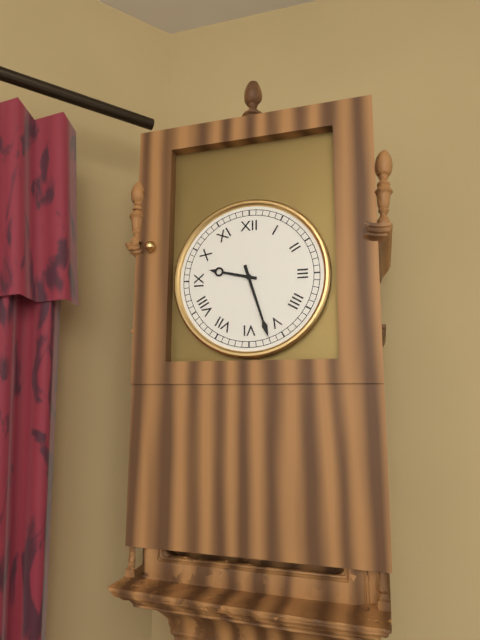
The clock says 9 h 27 min
